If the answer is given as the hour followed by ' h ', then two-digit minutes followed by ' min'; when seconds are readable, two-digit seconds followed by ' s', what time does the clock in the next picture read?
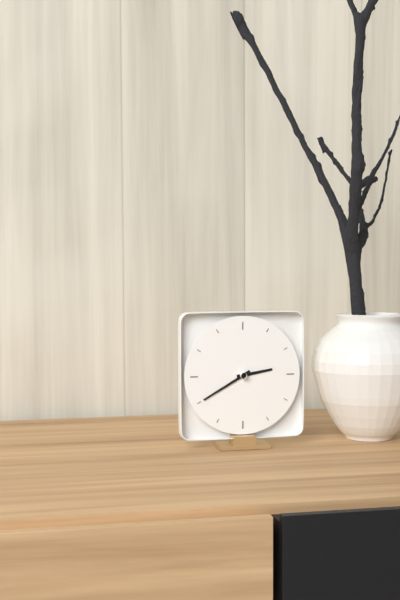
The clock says 2 h 40 min
